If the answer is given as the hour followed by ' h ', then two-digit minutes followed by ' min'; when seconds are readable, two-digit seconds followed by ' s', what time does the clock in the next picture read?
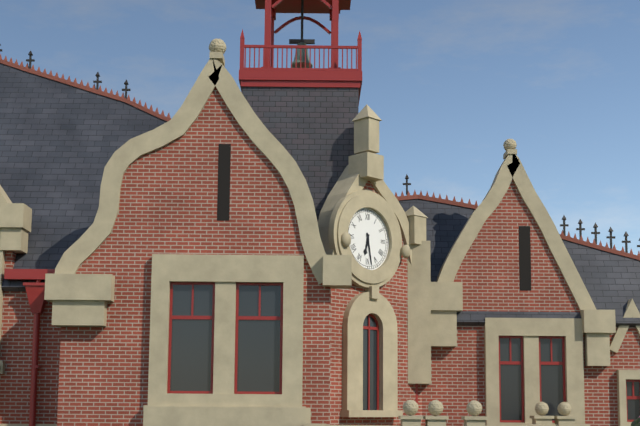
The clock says 6 h 28 min
